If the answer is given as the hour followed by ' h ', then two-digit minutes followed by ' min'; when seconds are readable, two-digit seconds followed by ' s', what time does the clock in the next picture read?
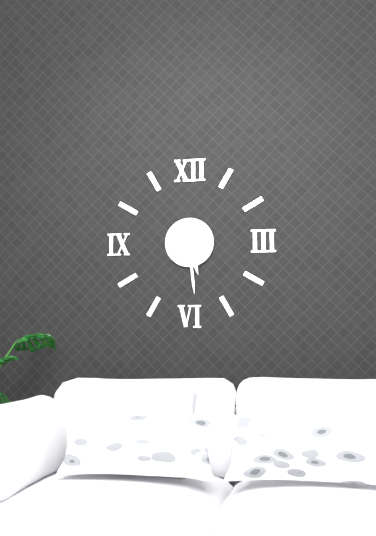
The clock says 5 h 29 min
